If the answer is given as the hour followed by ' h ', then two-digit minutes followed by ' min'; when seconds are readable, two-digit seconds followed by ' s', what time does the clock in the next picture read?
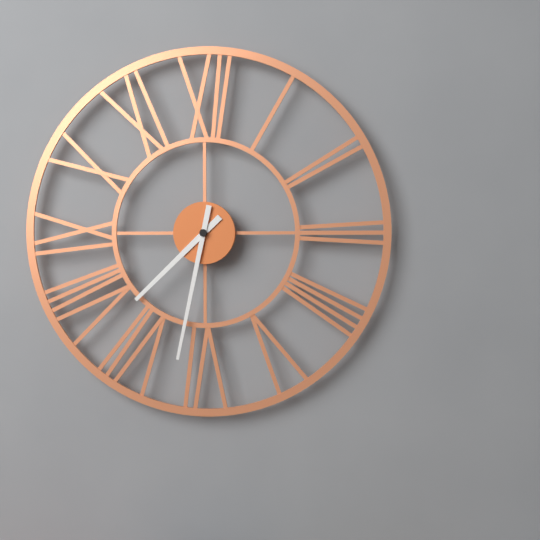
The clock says 7 h 32 min
